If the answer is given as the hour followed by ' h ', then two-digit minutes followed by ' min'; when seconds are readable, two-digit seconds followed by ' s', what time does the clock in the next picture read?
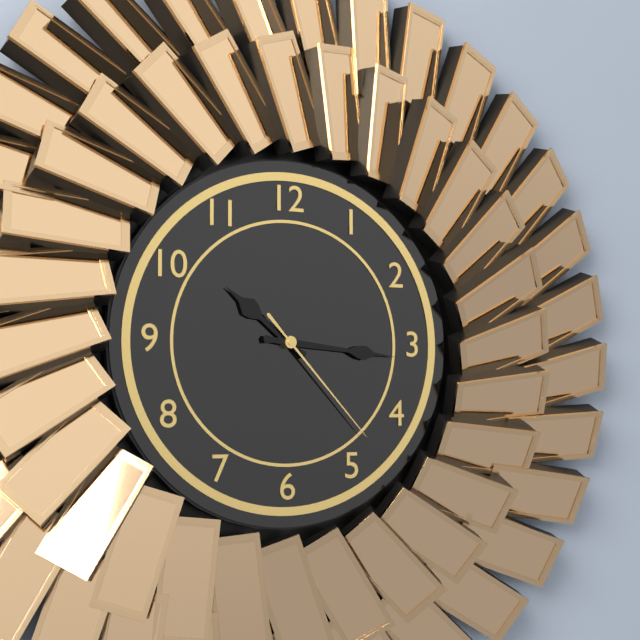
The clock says 10 h 16 min 23 s
